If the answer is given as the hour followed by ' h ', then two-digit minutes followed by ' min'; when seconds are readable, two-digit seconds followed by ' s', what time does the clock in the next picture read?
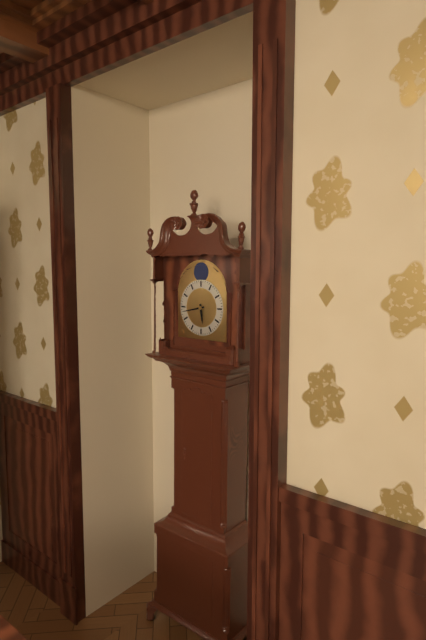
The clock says 5 h 43 min
